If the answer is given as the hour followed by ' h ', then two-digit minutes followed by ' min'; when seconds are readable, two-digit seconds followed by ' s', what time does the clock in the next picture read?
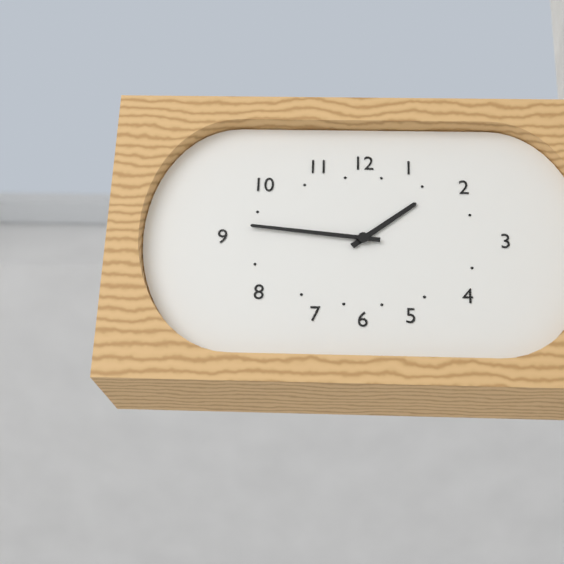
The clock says 1 h 46 min
